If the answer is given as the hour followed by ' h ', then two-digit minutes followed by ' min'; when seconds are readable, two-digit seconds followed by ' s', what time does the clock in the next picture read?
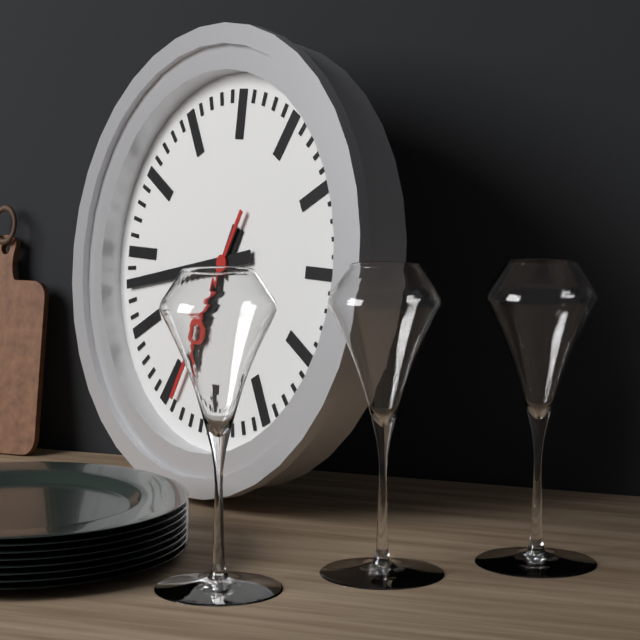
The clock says 6 h 43 min 34 s
